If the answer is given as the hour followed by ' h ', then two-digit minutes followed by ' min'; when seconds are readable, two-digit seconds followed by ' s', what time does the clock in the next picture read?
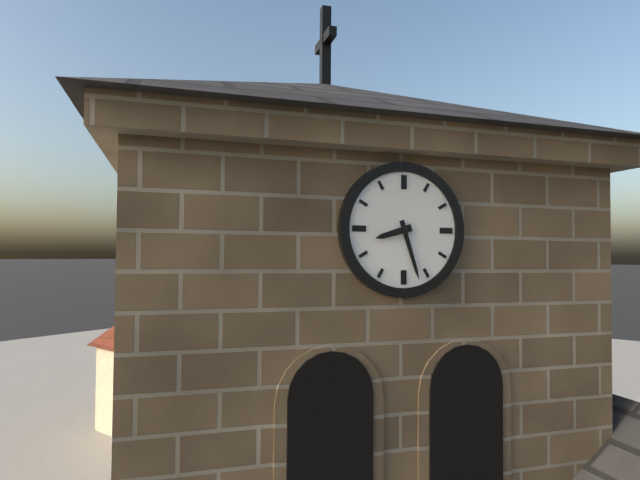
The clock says 8 h 27 min
